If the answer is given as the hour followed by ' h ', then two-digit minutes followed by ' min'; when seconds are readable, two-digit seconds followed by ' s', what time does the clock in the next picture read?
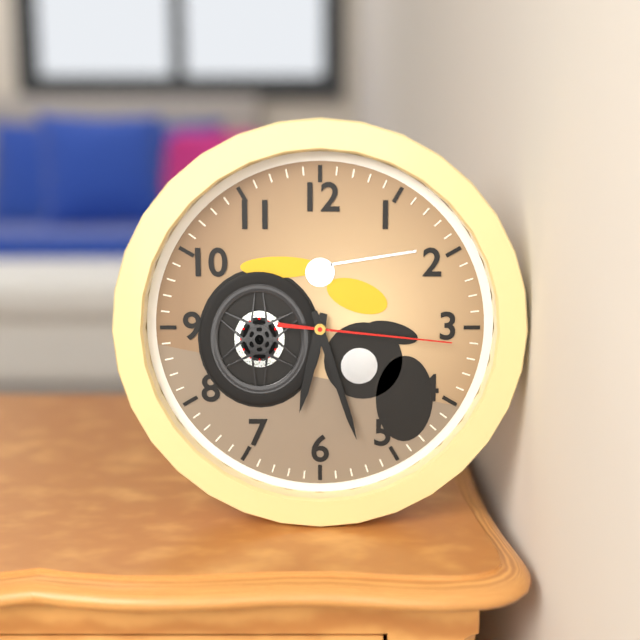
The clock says 6 h 27 min 16 s
